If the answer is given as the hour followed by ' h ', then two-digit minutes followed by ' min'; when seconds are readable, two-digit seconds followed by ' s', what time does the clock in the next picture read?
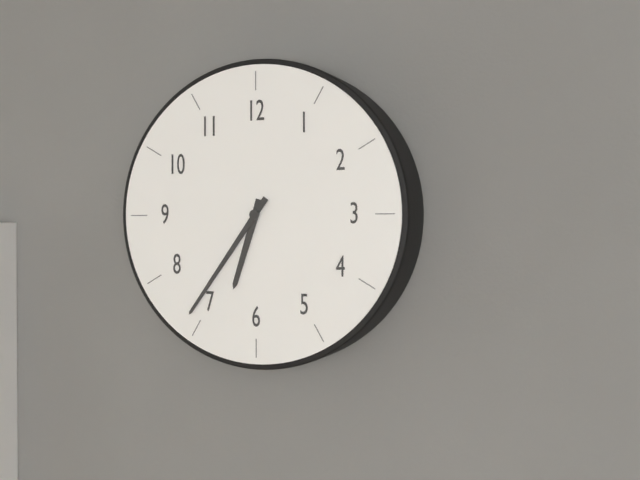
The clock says 6 h 36 min
